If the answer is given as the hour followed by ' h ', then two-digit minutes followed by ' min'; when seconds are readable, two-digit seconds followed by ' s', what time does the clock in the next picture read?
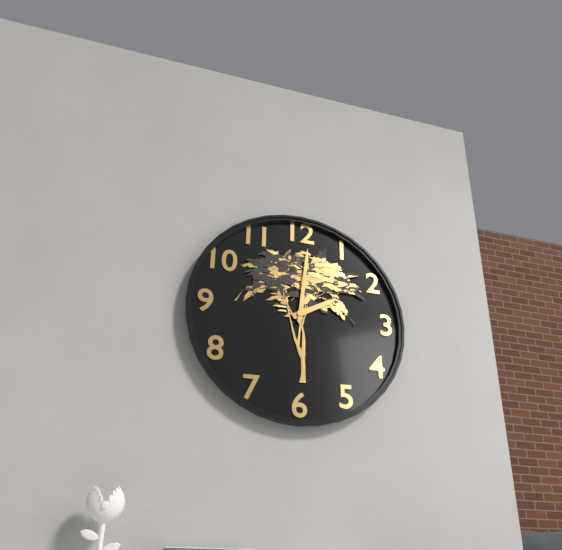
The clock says 2 h 01 min
